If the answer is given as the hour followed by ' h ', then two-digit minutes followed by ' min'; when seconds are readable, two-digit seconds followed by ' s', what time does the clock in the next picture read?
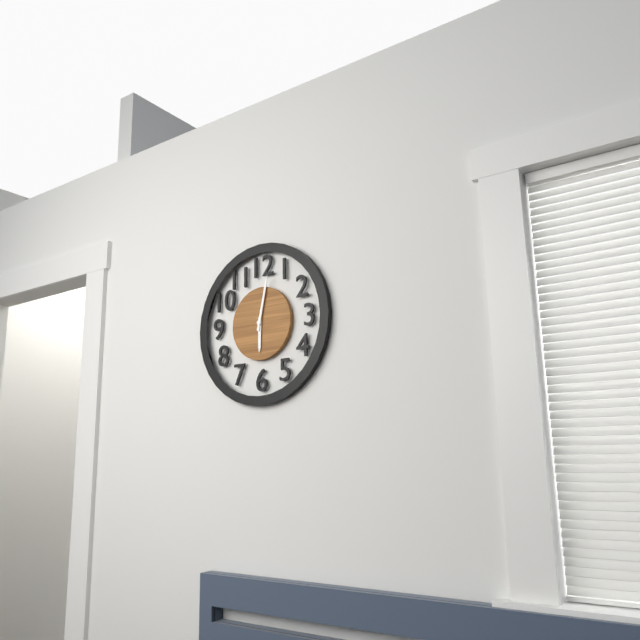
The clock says 6 h 02 min
